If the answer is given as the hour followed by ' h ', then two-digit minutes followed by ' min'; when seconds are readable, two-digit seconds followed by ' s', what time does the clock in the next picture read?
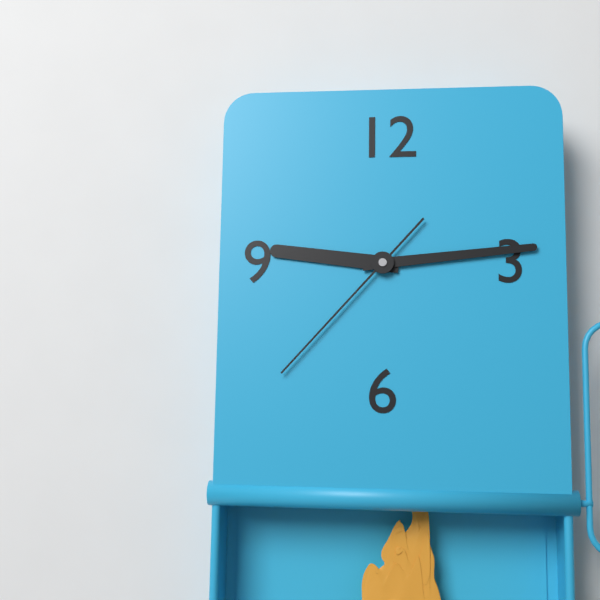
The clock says 9 h 14 min 37 s
